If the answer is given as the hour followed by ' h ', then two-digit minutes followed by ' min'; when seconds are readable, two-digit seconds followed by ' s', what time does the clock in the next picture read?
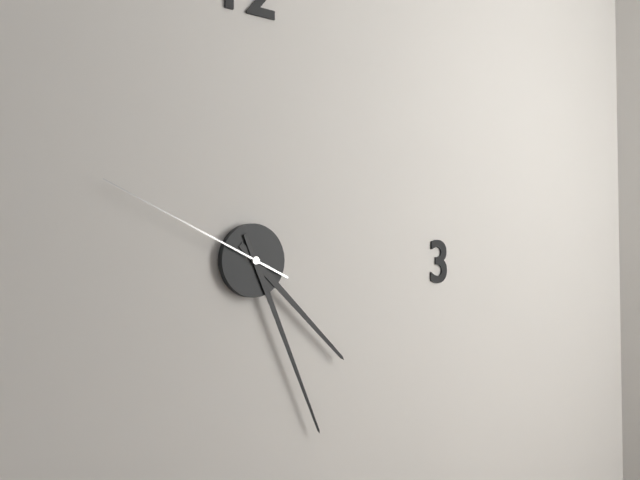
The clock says 4 h 26 min 49 s
